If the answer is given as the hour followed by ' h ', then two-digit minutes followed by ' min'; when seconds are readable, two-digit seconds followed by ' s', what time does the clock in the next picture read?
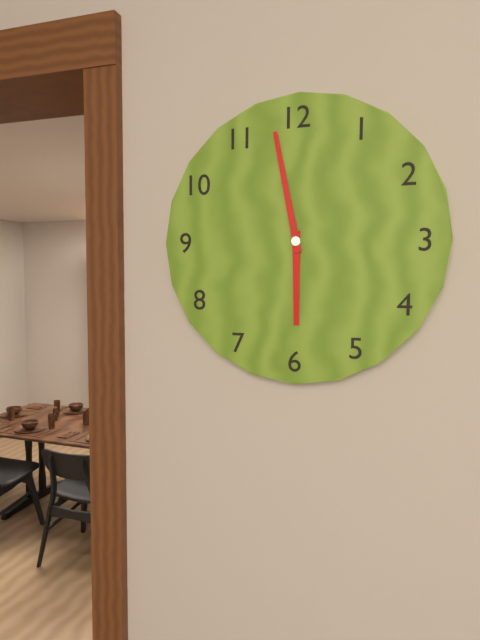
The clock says 5 h 58 min
